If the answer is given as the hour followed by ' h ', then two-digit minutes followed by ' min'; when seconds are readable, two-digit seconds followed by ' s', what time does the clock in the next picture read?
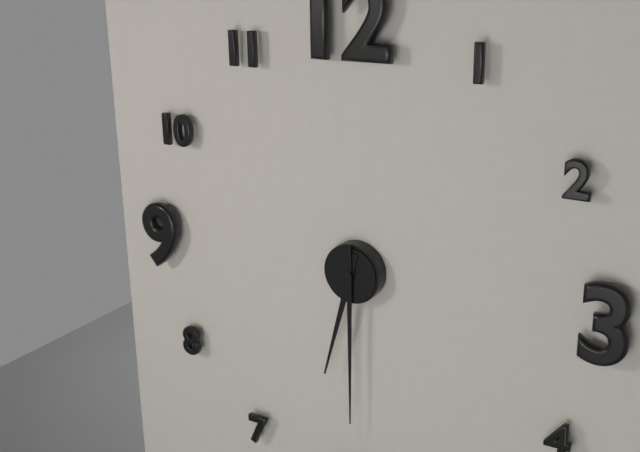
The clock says 6 h 30 min
